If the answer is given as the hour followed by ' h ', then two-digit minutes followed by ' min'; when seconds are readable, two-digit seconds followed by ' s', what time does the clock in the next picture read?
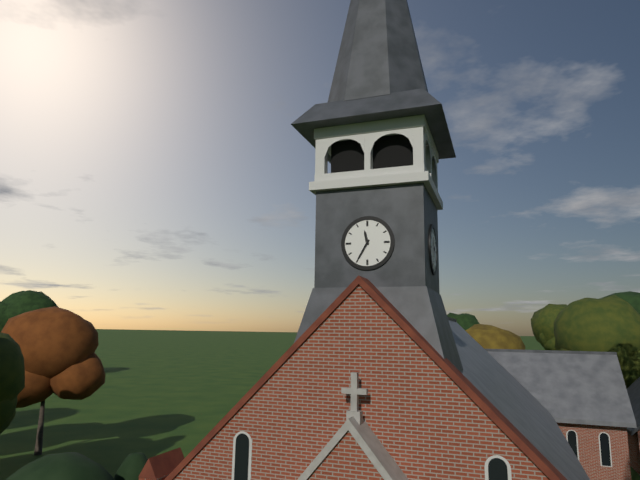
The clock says 11 h 35 min
